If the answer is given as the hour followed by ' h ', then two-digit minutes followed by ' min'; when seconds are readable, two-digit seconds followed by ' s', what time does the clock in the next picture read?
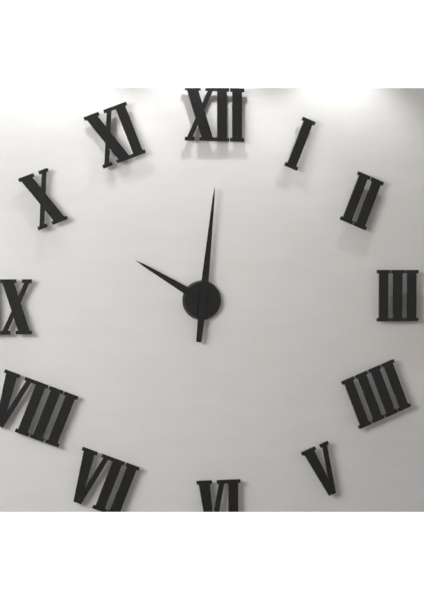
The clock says 10 h 01 min
